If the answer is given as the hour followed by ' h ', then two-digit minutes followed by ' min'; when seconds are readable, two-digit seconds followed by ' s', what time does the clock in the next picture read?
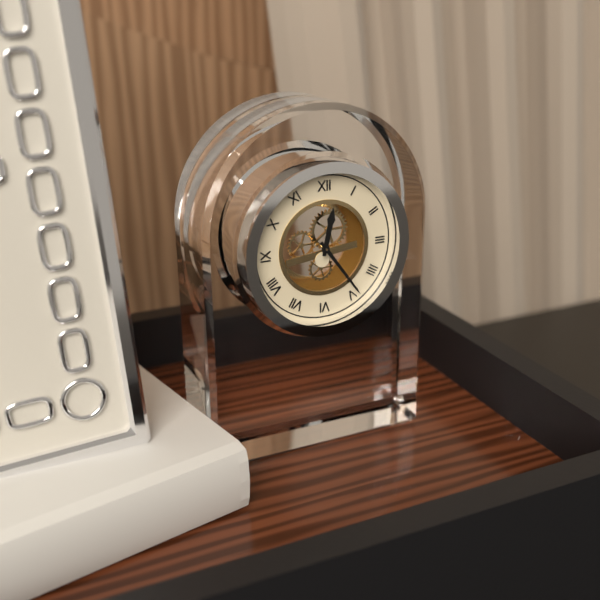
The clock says 12 h 24 min
